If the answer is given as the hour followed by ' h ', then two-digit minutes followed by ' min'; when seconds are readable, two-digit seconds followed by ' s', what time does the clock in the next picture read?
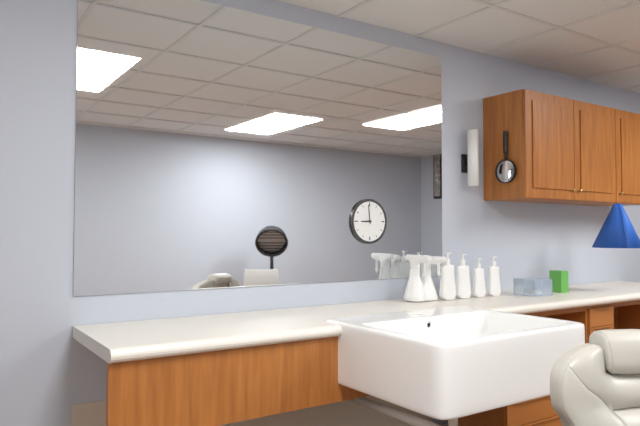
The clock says 8 h 59 min
